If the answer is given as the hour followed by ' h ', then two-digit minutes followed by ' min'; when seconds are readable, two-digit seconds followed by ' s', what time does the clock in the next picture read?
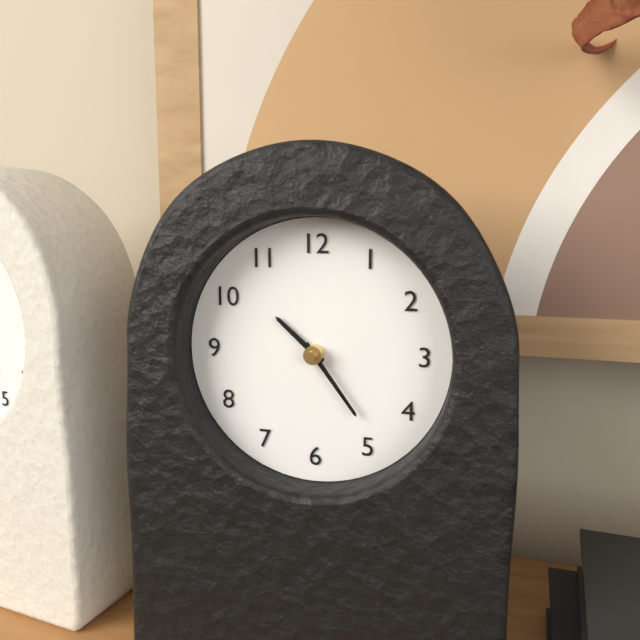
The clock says 10 h 24 min
